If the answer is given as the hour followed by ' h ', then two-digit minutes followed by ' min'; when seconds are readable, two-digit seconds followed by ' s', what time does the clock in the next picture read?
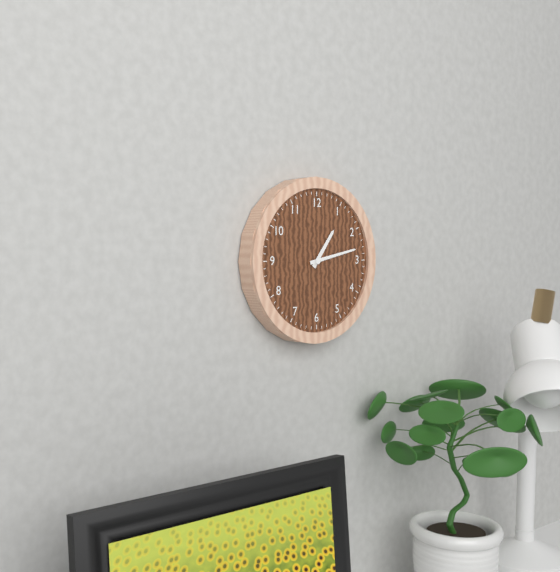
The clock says 1 h 13 min
